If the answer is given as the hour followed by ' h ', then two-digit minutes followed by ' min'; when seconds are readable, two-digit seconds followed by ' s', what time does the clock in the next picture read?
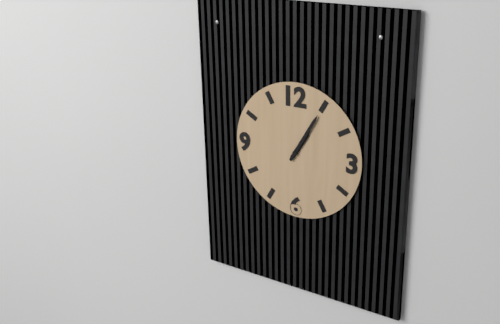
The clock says 1 h 05 min
